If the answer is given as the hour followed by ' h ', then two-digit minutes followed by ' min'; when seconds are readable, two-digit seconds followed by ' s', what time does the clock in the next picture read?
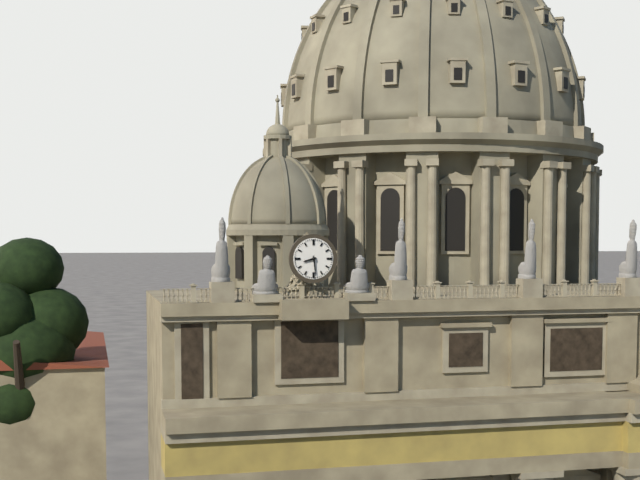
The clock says 8 h 29 min
